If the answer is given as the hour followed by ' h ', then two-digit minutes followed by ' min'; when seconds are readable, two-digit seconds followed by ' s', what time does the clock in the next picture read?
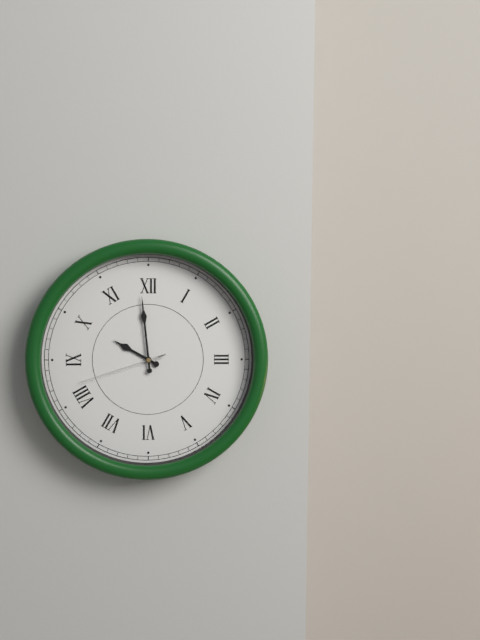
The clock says 9 h 59 min 42 s
